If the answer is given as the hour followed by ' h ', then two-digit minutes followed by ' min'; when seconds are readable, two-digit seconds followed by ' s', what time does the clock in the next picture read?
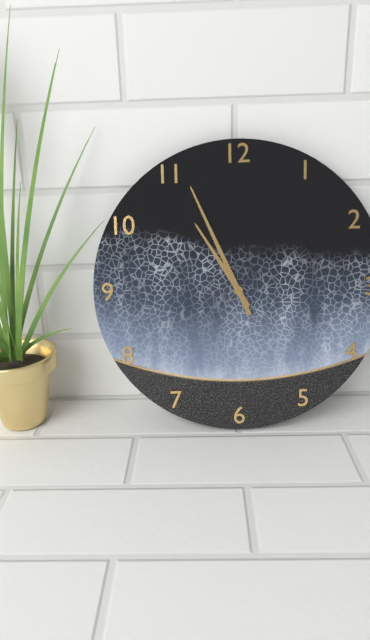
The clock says 10 h 56 min
